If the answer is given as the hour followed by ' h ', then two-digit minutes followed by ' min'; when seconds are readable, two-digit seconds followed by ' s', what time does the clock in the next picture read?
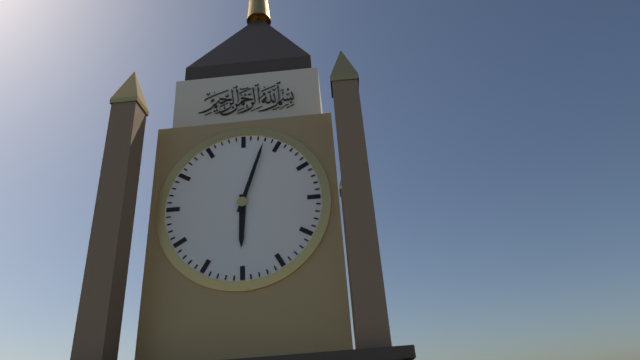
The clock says 6 h 03 min
